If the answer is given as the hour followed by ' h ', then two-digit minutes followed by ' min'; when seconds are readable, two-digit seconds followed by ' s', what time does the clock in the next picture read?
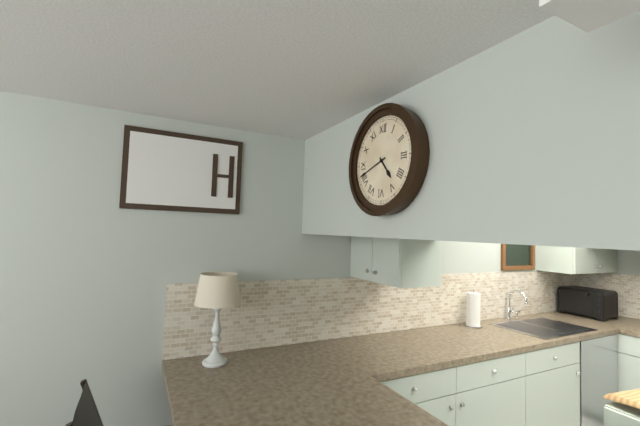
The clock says 4 h 42 min
